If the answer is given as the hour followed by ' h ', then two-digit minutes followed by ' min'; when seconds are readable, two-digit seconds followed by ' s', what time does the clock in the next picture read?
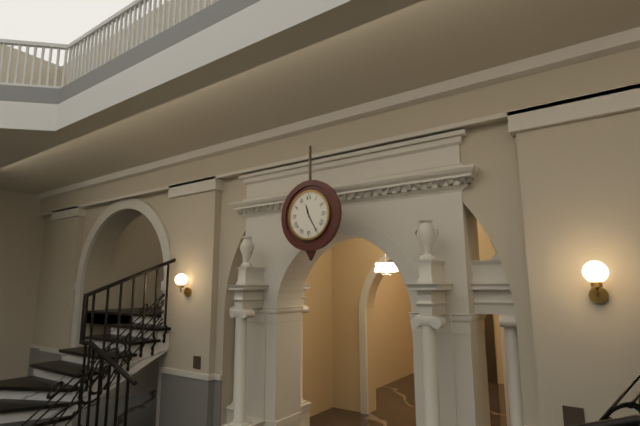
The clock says 11 h 25 min
